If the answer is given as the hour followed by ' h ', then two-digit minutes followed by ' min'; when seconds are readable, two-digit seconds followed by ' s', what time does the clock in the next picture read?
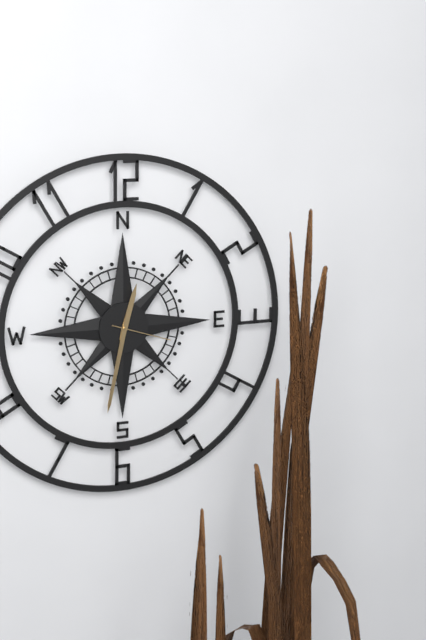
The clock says 12 h 32 min 18 s
